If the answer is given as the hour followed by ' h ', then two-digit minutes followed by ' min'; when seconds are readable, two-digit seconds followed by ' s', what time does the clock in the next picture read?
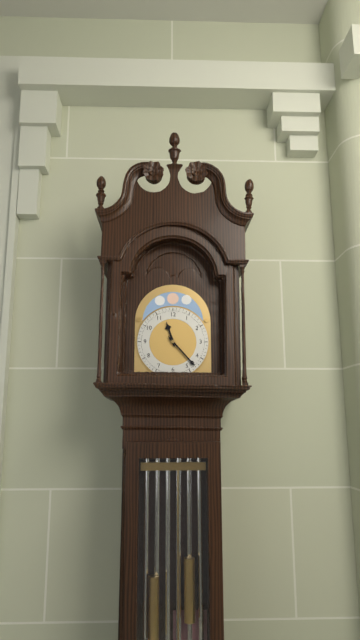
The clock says 11 h 23 min
